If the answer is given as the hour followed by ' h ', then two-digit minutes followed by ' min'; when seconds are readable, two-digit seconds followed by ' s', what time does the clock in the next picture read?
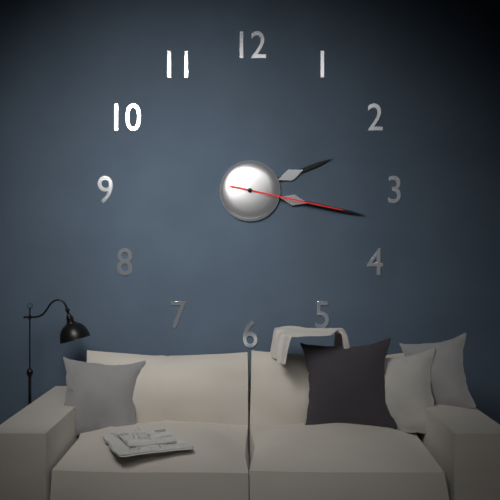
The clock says 2 h 17 min 17 s
